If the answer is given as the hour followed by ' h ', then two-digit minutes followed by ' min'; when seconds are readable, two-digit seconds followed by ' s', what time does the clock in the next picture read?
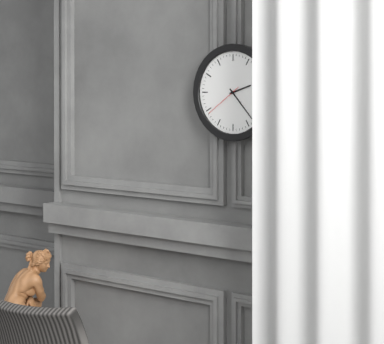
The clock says 2 h 23 min
